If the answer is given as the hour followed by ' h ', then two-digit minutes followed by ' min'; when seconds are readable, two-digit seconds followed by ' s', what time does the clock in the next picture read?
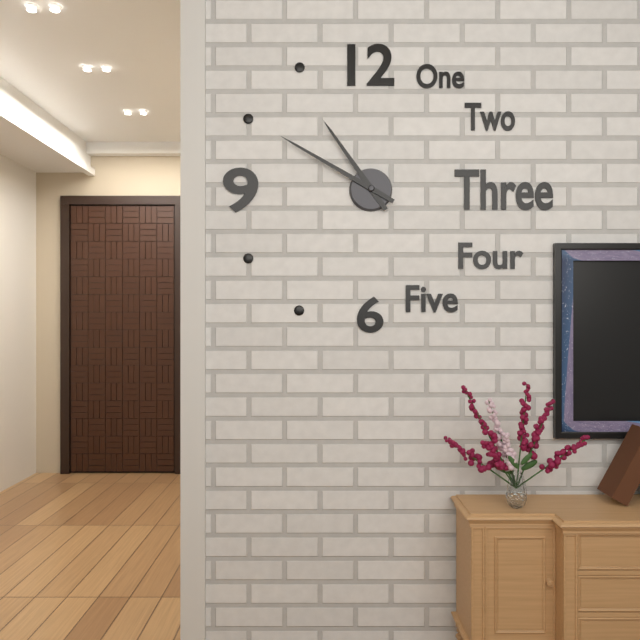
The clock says 10 h 50 min
